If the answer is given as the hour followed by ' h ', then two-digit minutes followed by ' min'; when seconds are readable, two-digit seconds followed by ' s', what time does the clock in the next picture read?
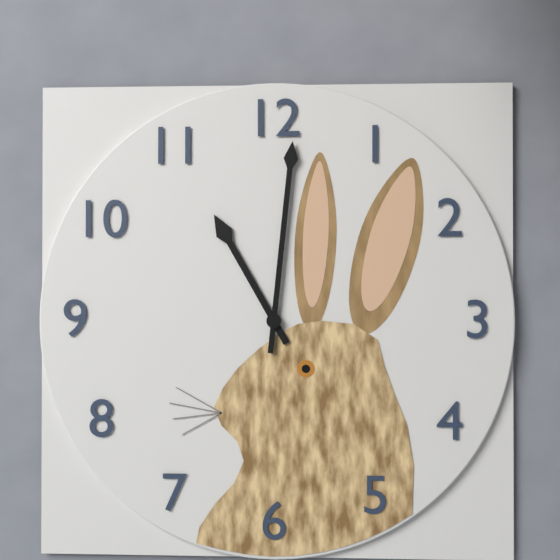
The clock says 11 h 01 min
